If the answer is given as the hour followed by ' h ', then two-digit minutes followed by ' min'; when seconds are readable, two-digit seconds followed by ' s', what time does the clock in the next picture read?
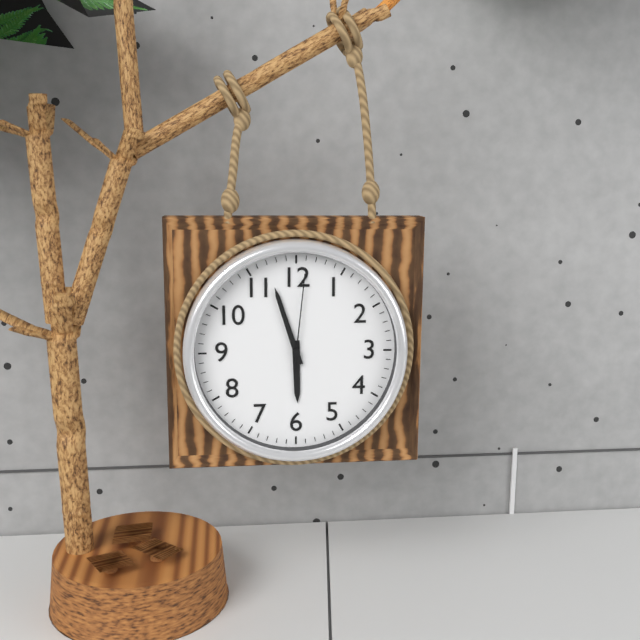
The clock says 5 h 57 min 01 s
